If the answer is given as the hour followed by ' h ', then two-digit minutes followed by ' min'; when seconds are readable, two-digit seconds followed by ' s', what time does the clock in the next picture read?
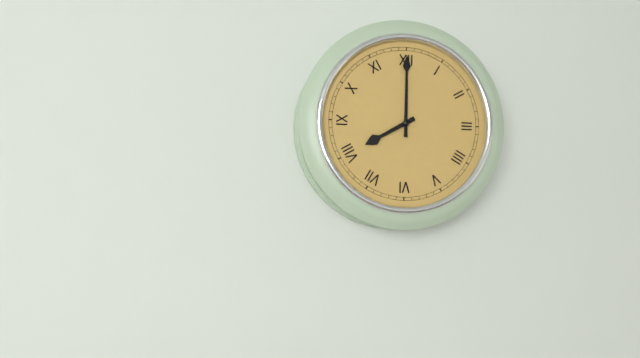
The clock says 8 h 00 min
